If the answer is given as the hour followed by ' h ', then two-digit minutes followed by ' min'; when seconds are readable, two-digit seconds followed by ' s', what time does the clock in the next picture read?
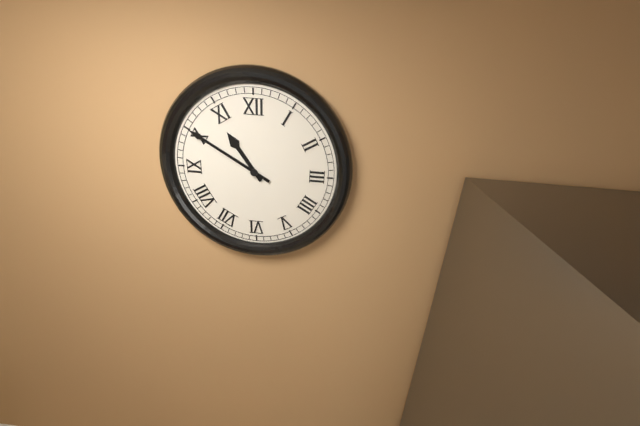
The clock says 10 h 50 min
